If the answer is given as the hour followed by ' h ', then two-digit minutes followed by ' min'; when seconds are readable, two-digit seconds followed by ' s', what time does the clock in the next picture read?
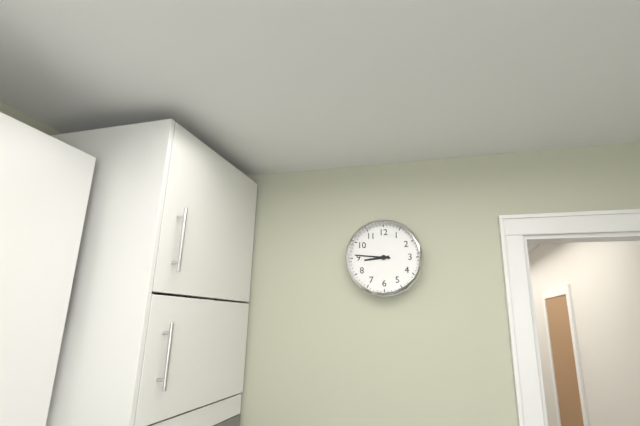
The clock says 8 h 46 min
